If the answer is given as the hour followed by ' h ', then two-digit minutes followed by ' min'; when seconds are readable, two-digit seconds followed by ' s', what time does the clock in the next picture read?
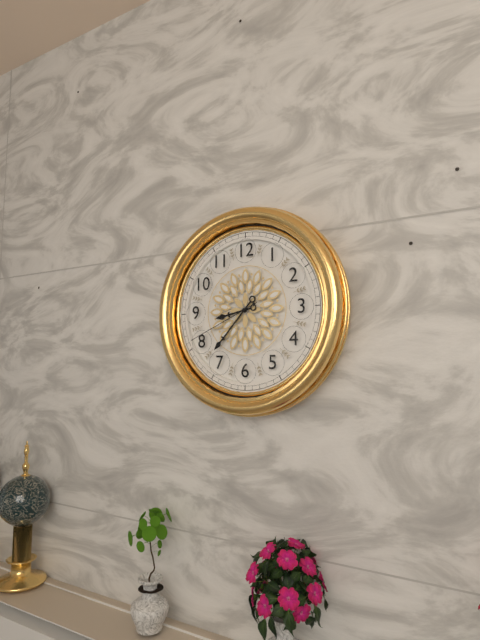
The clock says 8 h 37 min 41 s
